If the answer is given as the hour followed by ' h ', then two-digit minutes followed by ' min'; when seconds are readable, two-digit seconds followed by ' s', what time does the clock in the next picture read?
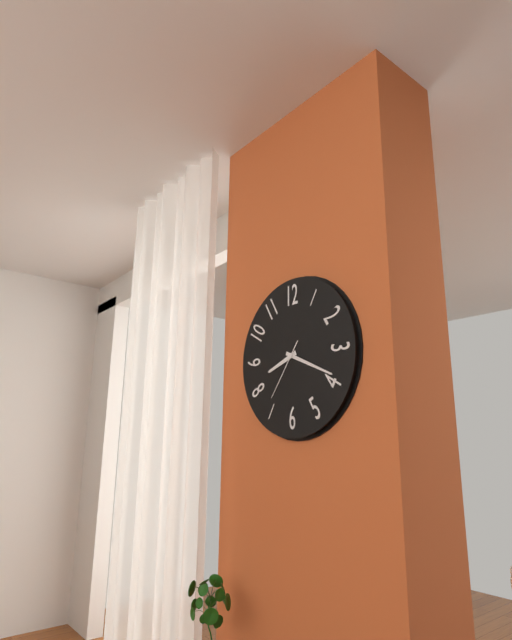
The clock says 8 h 19 min 36 s
